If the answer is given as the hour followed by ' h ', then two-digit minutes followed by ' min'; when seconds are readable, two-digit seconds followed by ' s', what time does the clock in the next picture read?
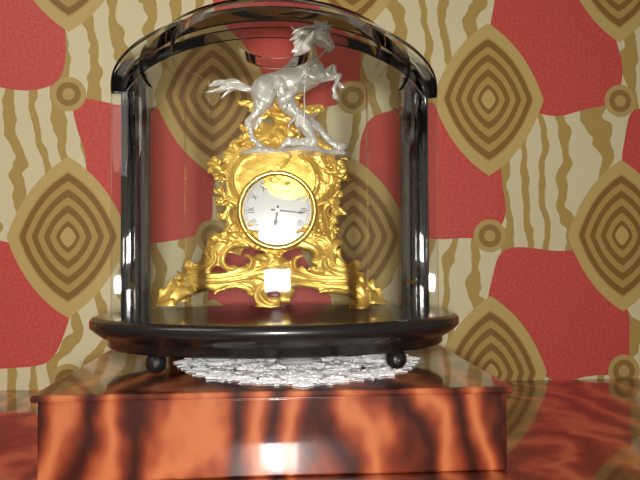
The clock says 6 h 16 min
